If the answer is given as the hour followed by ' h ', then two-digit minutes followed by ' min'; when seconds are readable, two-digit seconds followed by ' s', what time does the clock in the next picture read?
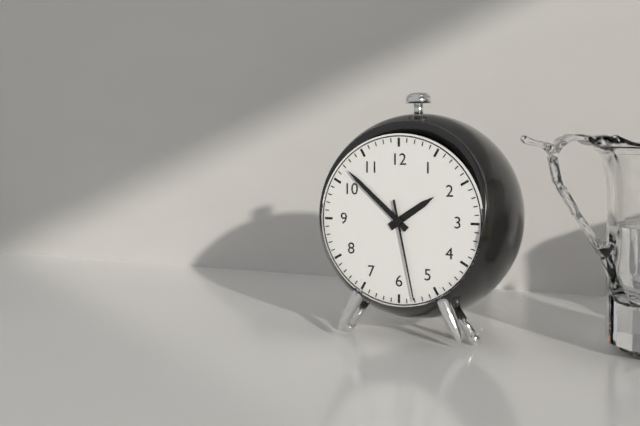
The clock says 1 h 52 min 28 s
